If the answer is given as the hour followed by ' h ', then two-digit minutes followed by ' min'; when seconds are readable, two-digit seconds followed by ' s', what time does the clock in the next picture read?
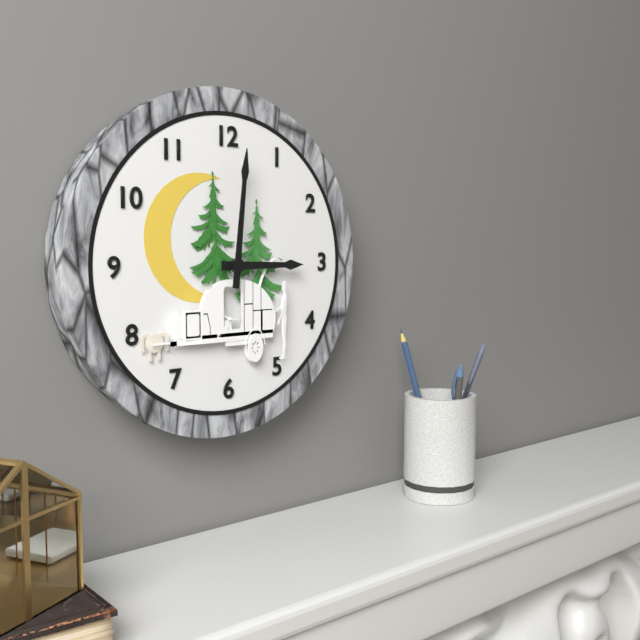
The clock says 3 h 01 min
